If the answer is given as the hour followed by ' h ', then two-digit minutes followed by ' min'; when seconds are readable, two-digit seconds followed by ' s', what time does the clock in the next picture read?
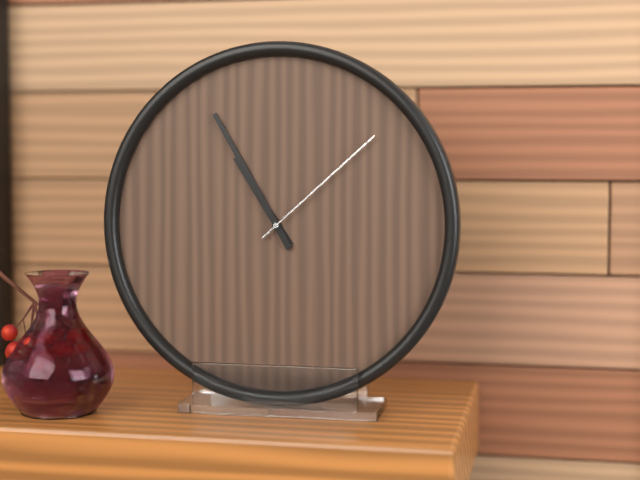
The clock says 10 h 55 min 08 s
